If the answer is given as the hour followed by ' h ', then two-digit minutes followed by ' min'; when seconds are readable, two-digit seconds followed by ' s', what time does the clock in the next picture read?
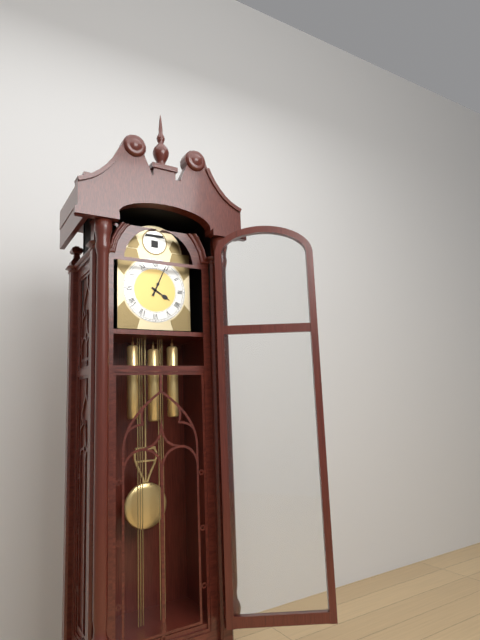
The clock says 4 h 04 min
